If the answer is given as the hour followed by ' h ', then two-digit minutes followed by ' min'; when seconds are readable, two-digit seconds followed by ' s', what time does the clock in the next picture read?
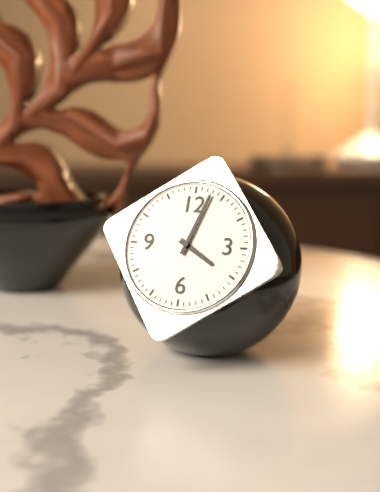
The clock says 4 h 03 min
